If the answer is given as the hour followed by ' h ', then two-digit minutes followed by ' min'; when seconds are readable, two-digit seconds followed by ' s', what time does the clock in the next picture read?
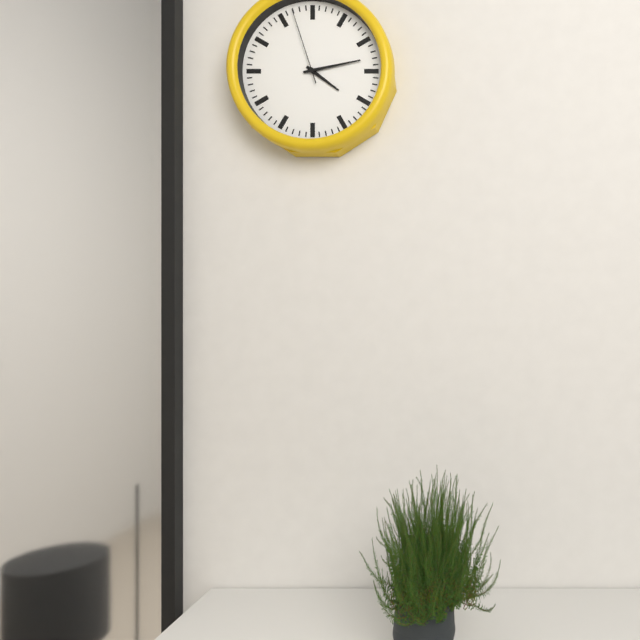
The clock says 4 h 13 min 57 s
